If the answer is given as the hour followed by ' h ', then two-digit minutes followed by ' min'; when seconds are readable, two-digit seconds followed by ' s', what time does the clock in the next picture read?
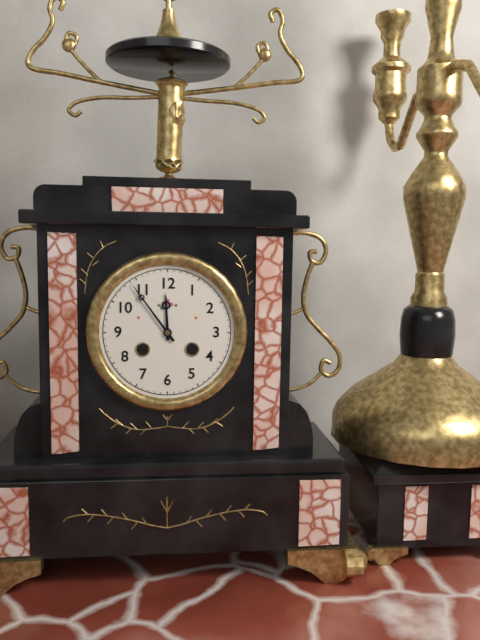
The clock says 11 h 54 min
